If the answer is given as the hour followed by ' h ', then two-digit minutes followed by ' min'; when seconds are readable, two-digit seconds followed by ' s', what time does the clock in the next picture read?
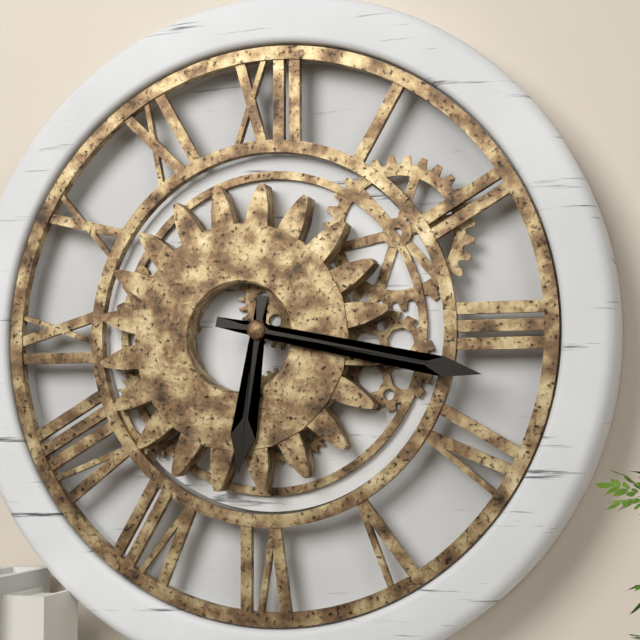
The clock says 6 h 17 min
